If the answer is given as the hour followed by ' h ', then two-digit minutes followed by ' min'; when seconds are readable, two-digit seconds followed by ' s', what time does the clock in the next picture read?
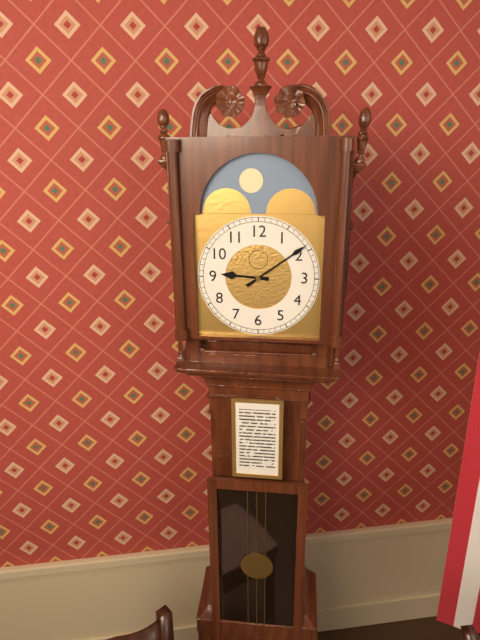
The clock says 9 h 09 min
